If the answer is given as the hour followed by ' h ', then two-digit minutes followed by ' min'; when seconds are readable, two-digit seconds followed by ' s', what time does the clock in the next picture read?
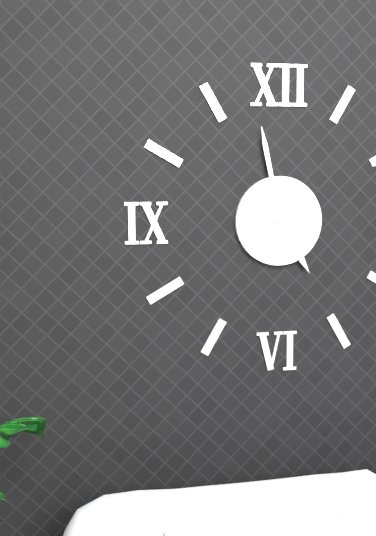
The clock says 4 h 58 min
